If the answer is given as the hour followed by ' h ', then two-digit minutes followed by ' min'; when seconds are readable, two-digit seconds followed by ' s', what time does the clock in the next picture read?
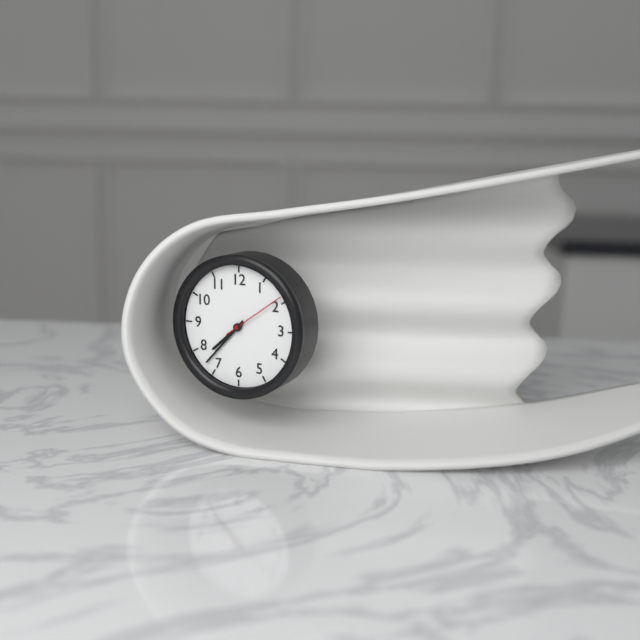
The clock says 7 h 37 min 09 s
